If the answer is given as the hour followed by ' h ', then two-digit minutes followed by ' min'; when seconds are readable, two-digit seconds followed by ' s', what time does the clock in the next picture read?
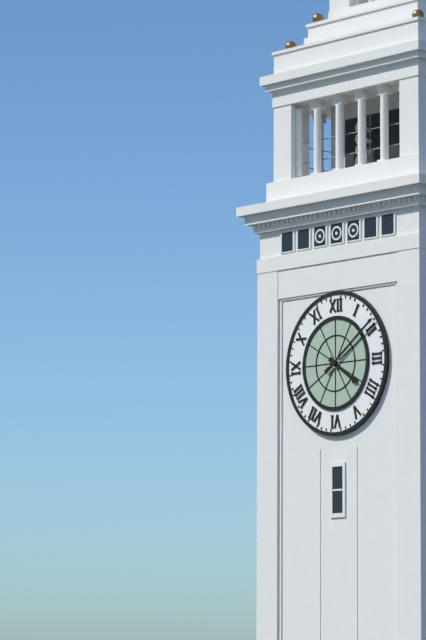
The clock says 4 h 09 min
